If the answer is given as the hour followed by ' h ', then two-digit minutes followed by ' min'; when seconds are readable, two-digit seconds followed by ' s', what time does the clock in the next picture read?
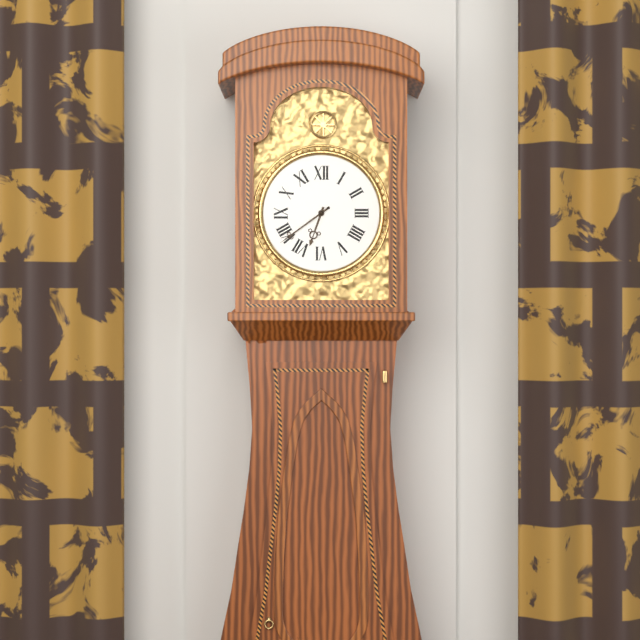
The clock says 6 h 39 min
